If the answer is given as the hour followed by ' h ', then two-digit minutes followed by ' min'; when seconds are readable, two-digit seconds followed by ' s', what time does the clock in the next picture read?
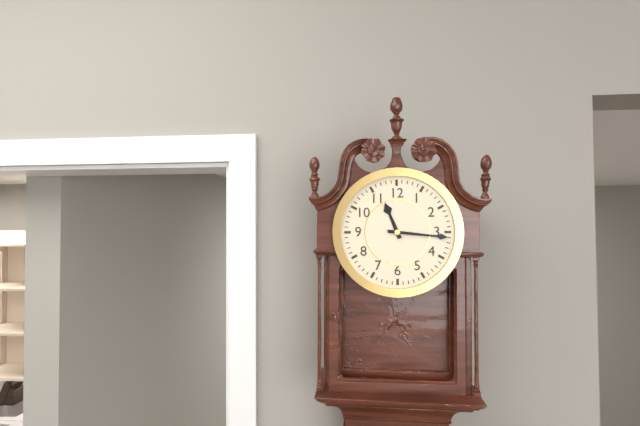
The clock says 11 h 16 min
